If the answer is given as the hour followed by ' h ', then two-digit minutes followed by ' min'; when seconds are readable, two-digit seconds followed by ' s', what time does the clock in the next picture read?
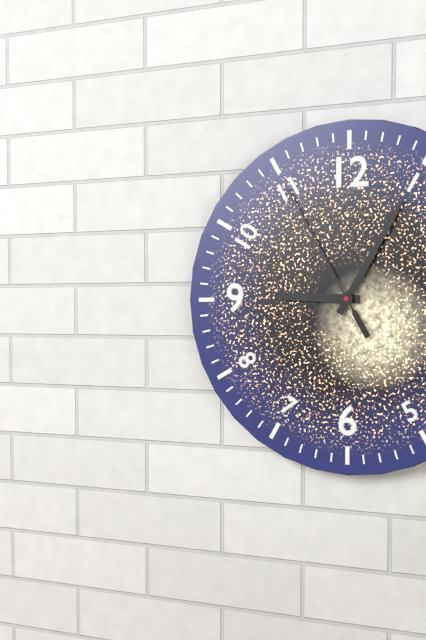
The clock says 9 h 05 min 55 s
